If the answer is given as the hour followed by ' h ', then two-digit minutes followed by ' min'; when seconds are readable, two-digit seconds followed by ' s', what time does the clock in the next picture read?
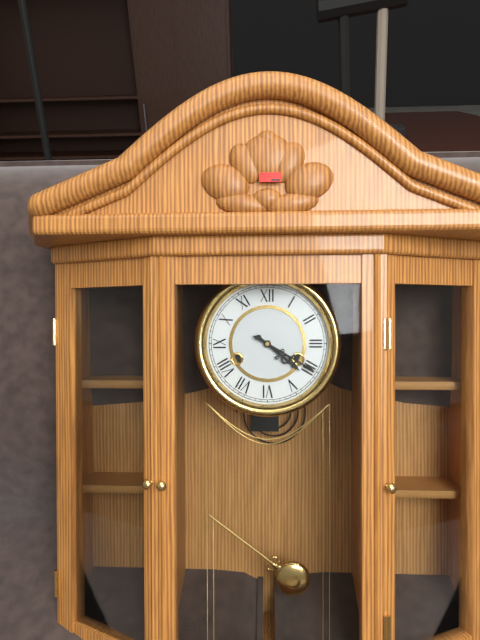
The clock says 4 h 20 min
